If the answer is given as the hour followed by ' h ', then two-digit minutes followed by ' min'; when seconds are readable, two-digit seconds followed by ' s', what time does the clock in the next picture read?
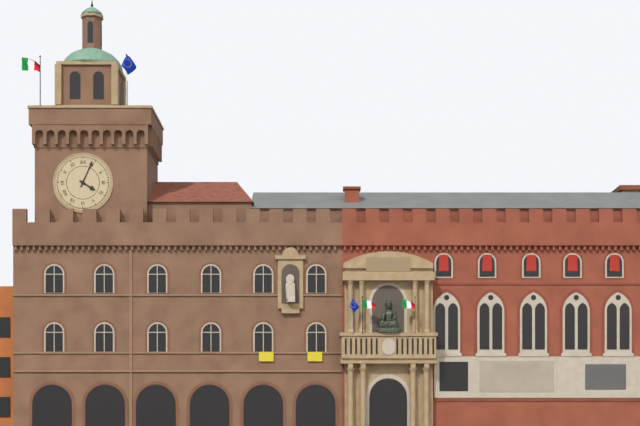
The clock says 4 h 04 min
